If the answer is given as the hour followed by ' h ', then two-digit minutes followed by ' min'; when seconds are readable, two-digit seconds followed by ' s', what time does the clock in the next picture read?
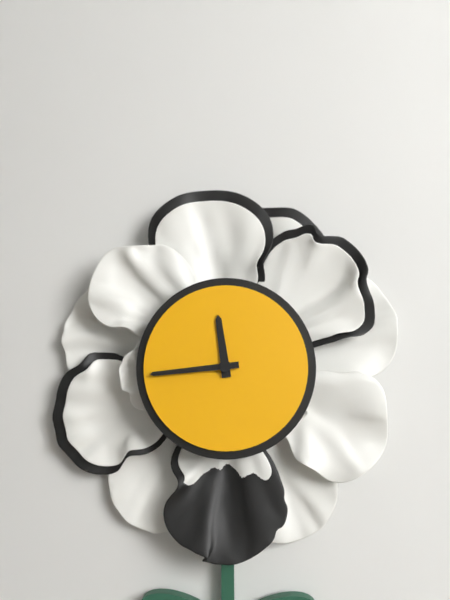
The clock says 11 h 44 min
